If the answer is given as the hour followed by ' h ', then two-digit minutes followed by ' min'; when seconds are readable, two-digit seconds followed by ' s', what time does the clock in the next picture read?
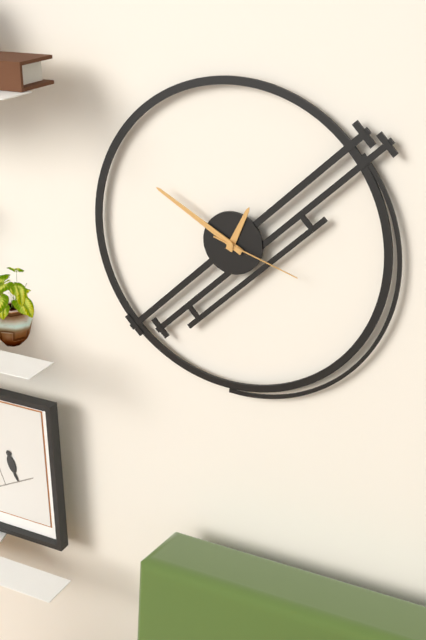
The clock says 12 h 50 min 18 s
